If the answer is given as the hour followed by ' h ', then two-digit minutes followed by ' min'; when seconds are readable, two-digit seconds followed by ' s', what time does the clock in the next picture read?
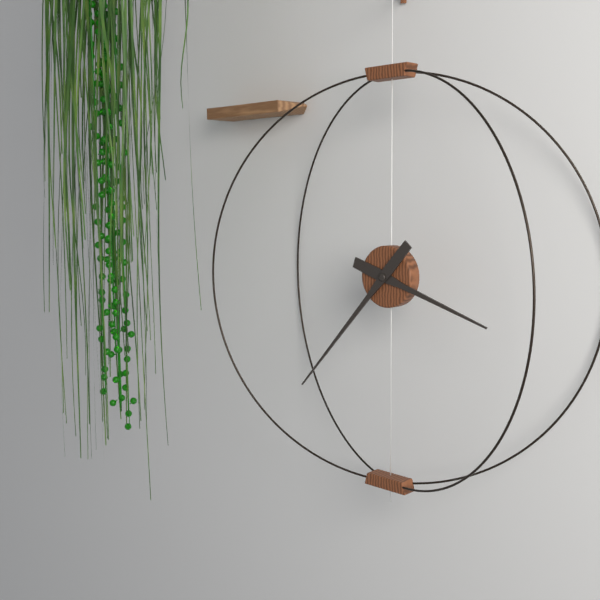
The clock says 3 h 37 min
